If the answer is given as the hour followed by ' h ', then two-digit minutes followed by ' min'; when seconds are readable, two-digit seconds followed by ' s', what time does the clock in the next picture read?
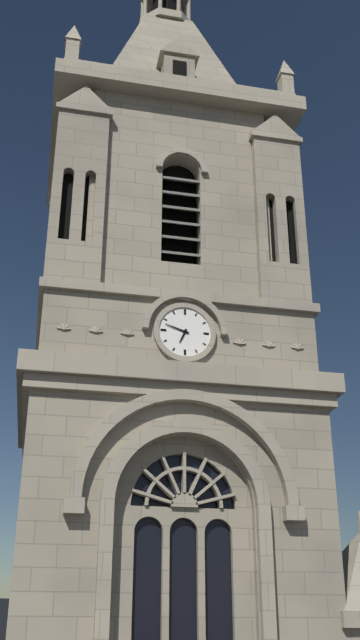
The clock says 6 h 48 min
